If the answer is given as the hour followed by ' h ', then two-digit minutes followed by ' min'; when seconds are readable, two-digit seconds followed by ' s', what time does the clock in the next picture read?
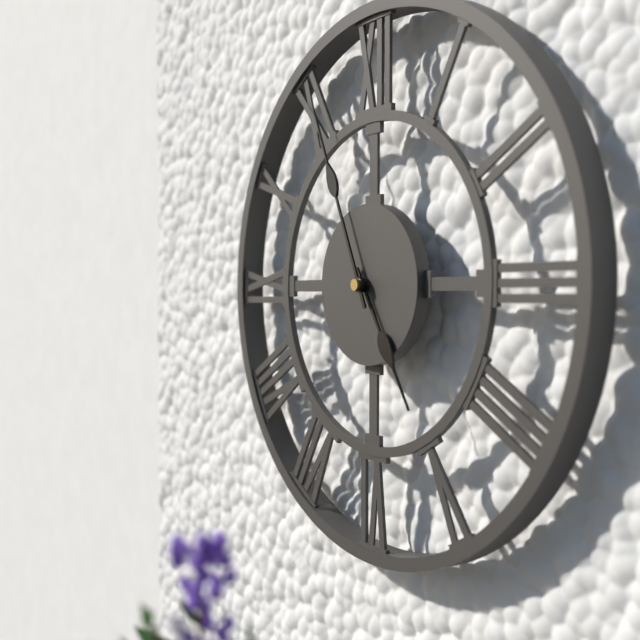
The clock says 4 h 56 min
